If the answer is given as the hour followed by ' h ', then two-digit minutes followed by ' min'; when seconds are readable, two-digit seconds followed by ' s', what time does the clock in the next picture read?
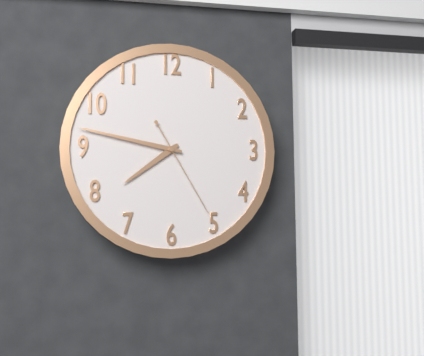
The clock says 7 h 47 min 25 s
